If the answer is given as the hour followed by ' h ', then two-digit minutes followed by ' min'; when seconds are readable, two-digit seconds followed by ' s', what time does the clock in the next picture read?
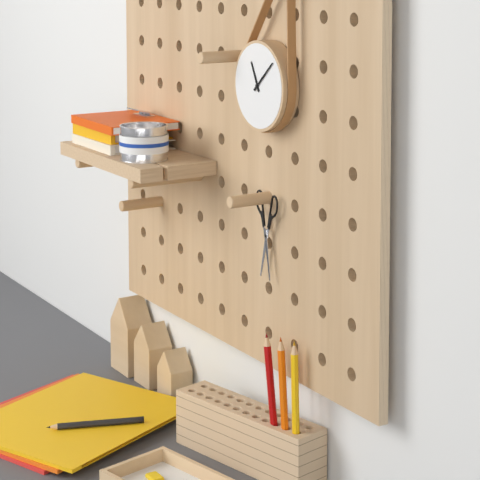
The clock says 11 h 08 min
